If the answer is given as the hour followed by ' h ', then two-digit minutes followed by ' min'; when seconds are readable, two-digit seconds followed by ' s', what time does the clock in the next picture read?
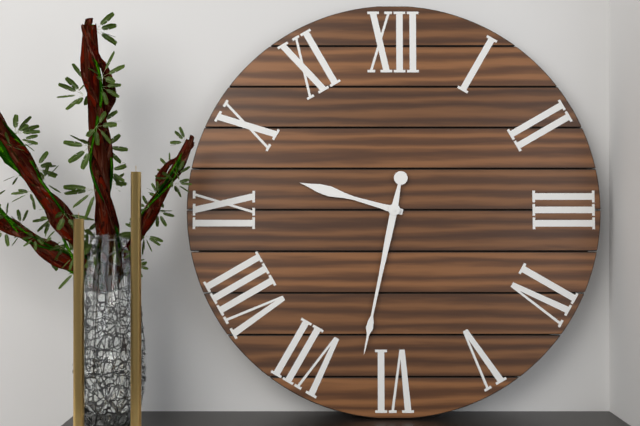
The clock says 9 h 32 min
